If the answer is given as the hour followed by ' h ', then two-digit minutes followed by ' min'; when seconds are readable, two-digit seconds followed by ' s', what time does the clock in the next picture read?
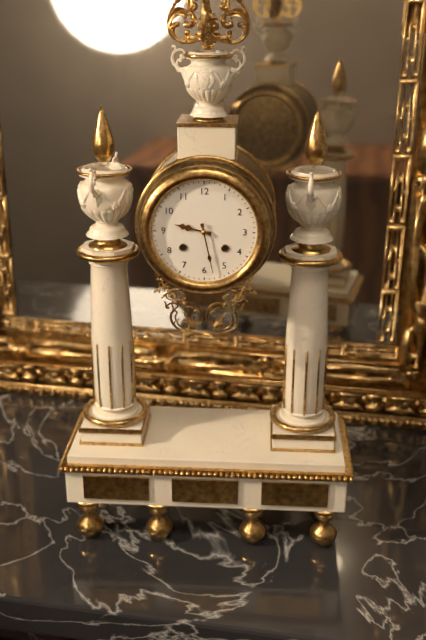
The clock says 9 h 28 min
